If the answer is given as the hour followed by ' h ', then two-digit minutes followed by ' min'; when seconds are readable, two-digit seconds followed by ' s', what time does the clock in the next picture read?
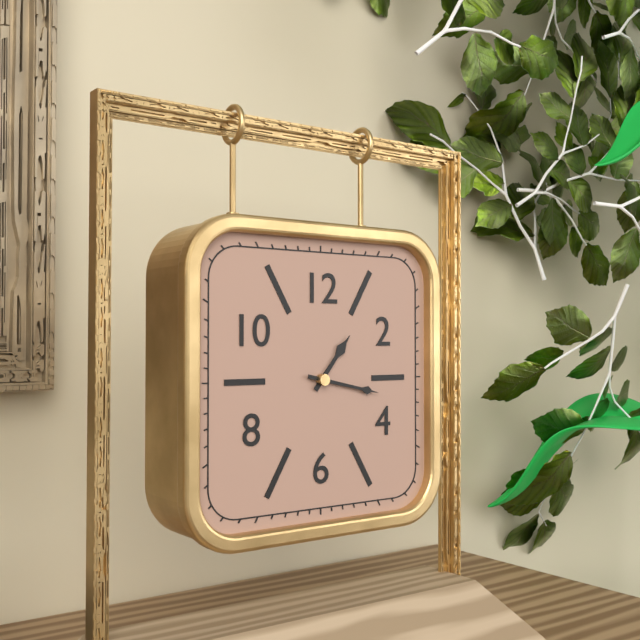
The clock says 1 h 17 min
